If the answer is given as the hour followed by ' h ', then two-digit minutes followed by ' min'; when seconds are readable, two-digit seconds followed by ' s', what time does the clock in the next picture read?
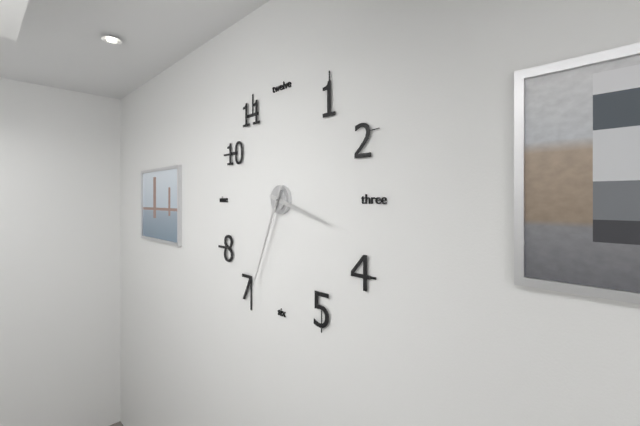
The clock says 3 h 34 min
